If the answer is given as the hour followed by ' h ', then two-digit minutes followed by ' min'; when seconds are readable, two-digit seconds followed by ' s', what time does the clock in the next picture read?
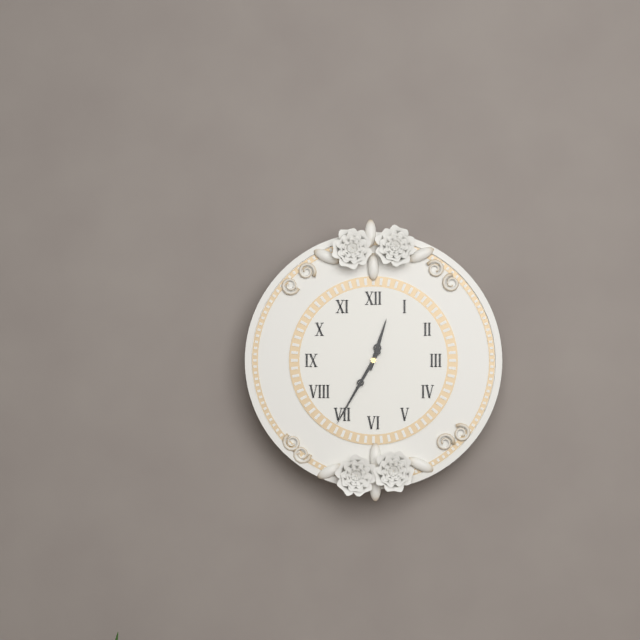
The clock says 12 h 35 min
